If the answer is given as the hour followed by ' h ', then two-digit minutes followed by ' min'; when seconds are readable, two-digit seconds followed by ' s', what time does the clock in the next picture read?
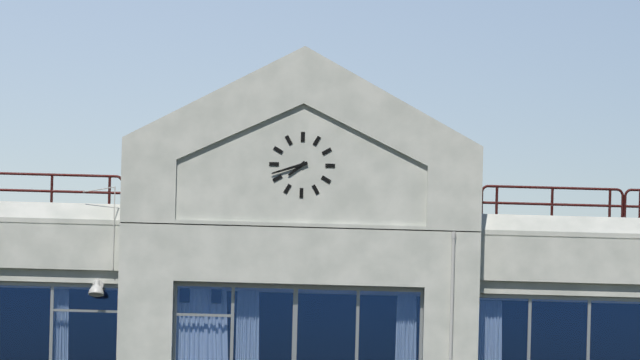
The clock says 7 h 42 min
